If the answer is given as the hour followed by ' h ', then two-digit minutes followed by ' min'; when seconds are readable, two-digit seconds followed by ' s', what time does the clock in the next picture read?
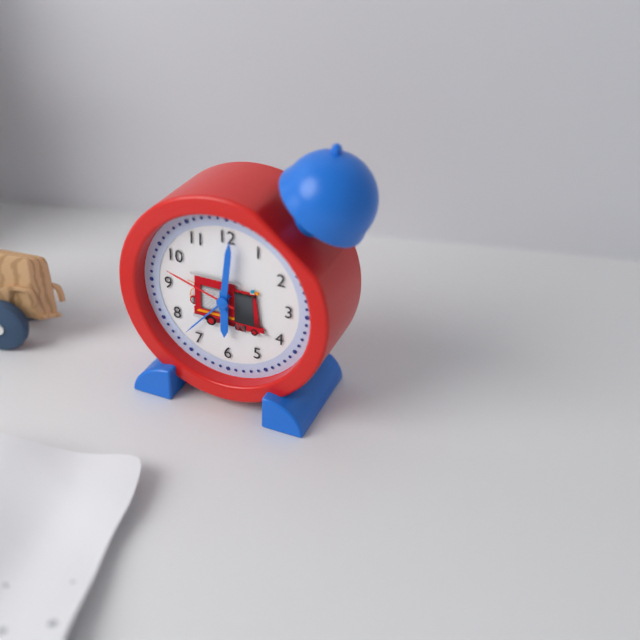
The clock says 6 h 01 min 48 s
